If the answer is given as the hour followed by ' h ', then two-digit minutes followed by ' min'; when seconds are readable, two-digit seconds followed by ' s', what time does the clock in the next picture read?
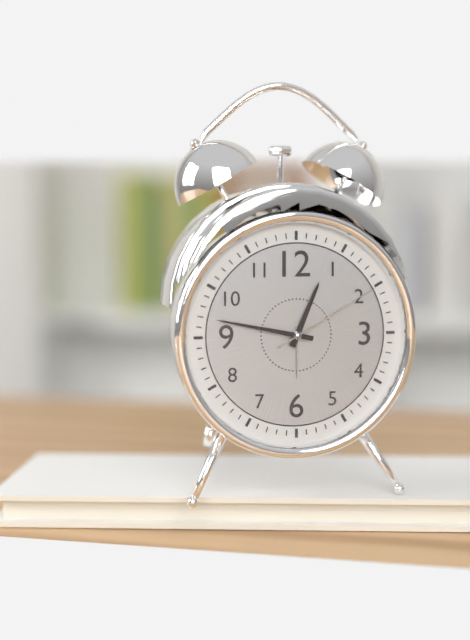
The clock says 12 h 47 min 10 s
